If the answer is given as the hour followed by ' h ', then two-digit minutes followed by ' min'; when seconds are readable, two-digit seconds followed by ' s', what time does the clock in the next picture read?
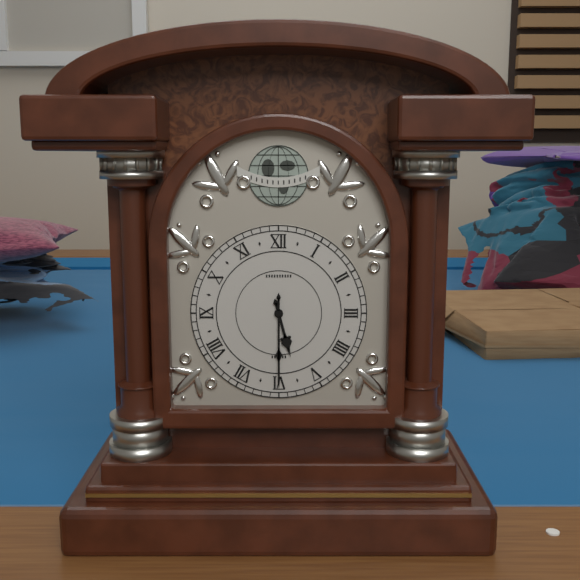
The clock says 5 h 30 min
